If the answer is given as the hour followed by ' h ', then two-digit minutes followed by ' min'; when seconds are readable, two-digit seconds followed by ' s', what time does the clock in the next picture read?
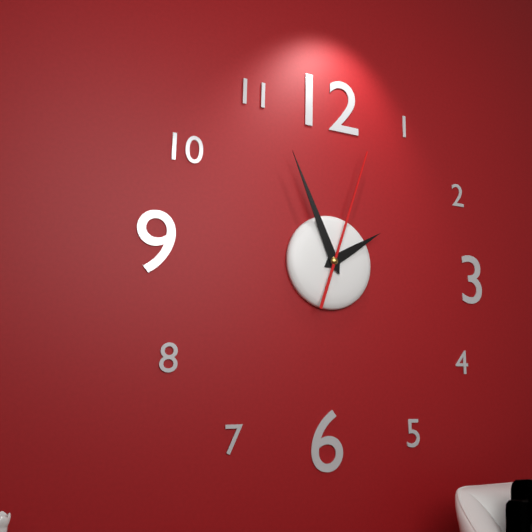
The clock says 1 h 56 min 03 s
